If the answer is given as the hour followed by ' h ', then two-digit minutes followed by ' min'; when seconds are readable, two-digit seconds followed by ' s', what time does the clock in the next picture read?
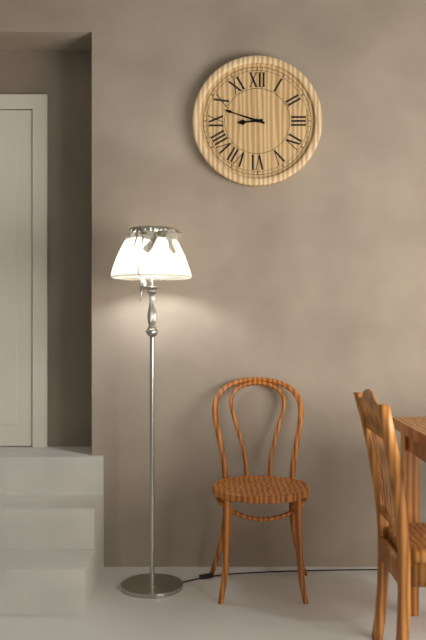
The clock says 8 h 48 min
